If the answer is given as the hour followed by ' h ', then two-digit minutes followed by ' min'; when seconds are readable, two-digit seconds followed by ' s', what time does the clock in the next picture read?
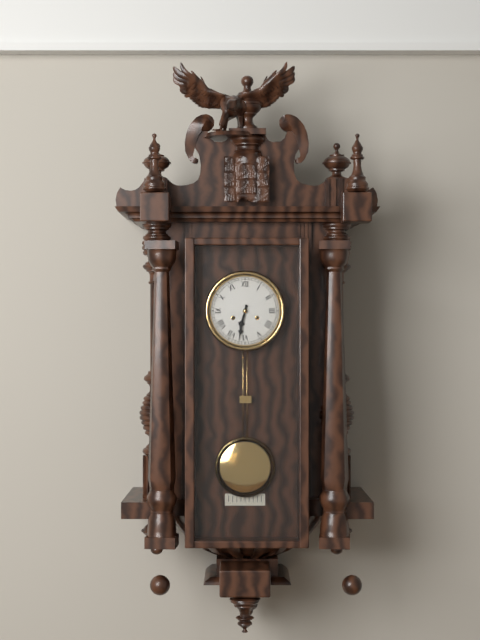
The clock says 6 h 32 min
